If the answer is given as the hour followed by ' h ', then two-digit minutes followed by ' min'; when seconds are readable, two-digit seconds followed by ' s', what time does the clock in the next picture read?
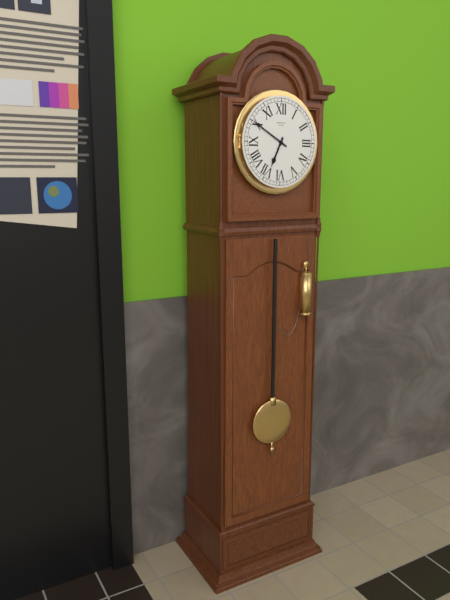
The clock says 6 h 50 min
